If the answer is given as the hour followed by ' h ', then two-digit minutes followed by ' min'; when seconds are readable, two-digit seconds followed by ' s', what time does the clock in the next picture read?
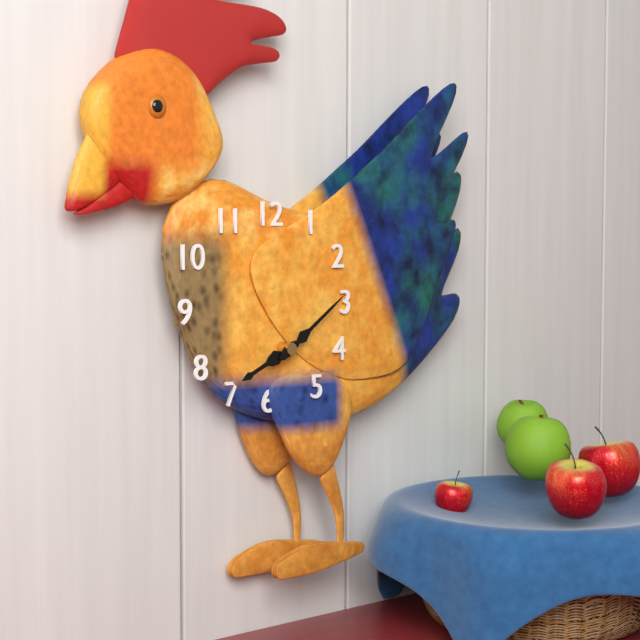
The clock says 8 h 09 min
